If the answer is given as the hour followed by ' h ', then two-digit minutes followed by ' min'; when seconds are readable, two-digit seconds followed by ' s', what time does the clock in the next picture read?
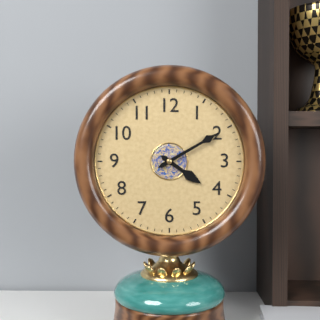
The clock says 4 h 10 min
